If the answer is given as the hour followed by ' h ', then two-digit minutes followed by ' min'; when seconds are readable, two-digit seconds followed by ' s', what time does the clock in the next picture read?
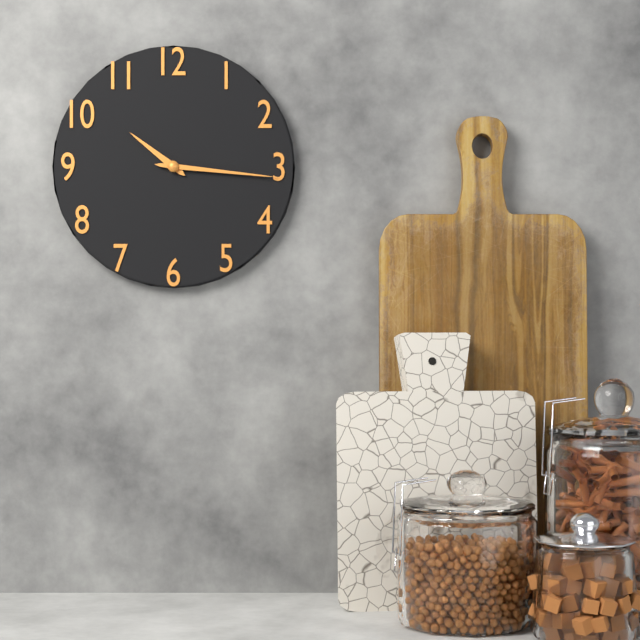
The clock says 10 h 16 min
